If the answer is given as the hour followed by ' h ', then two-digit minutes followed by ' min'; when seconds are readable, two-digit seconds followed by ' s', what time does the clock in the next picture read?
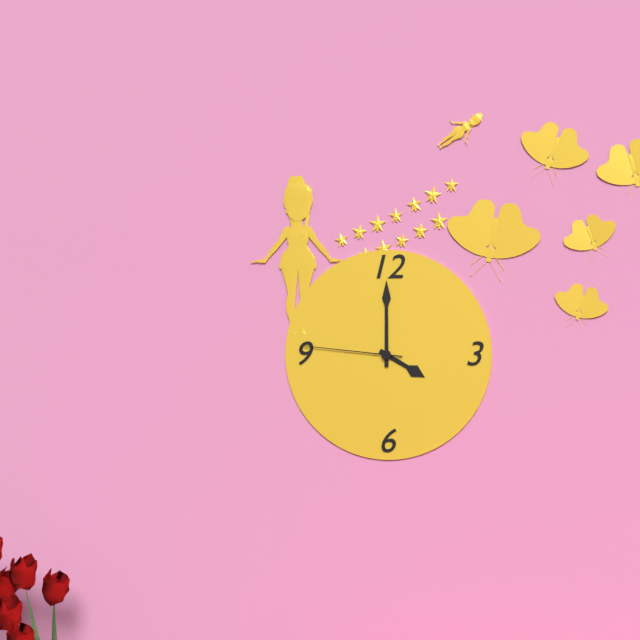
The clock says 4 h 00 min 46 s
